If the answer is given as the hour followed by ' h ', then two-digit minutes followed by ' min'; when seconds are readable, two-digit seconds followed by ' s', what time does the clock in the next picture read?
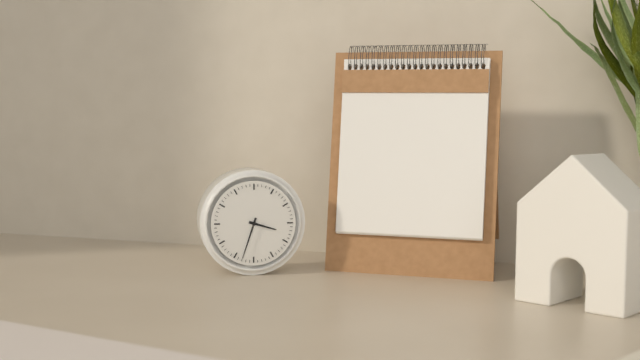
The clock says 3 h 33 min
